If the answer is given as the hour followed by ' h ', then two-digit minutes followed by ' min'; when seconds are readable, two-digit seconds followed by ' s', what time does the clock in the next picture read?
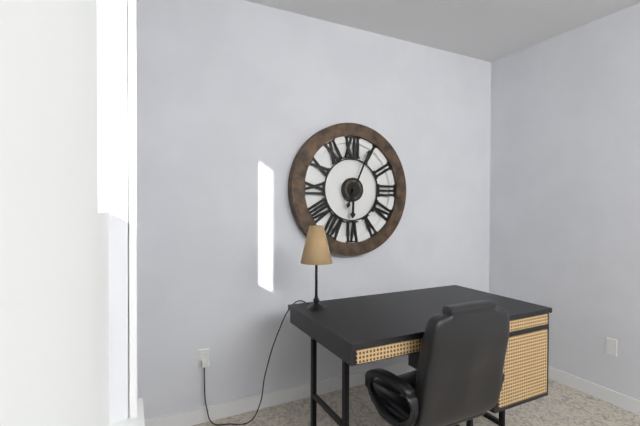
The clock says 6 h 04 min
